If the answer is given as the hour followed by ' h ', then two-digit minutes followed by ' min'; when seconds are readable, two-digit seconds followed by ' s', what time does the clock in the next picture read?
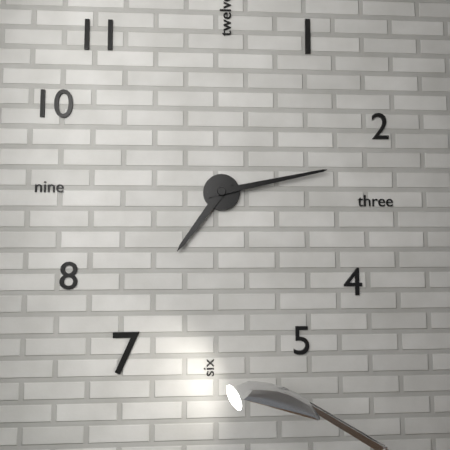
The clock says 7 h 13 min
